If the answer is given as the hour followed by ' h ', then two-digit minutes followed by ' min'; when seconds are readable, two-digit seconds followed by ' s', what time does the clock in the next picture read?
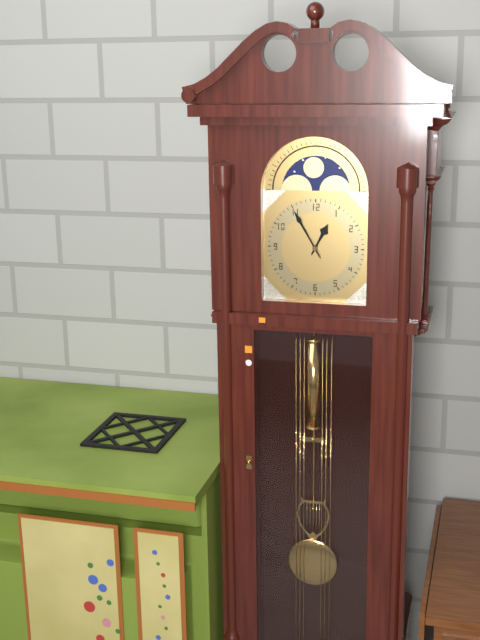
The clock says 12 h 55 min
